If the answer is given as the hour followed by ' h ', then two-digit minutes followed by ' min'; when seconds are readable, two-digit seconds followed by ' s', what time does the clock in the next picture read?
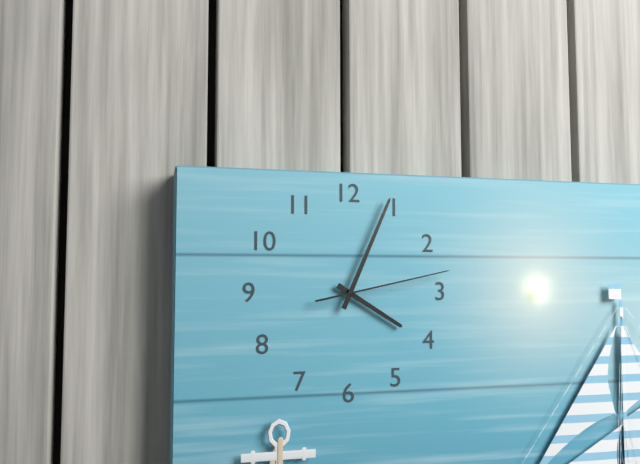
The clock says 4 h 04 min 13 s
